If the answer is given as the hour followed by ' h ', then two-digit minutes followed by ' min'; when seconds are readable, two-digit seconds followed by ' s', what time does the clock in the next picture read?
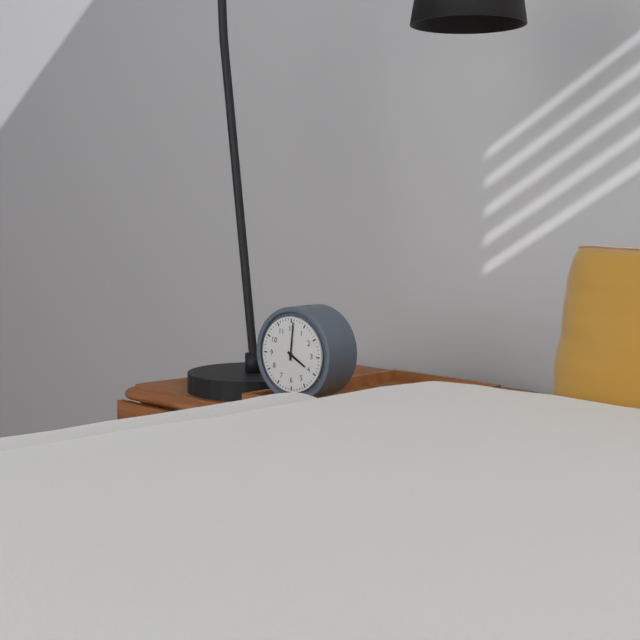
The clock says 4 h 01 min
